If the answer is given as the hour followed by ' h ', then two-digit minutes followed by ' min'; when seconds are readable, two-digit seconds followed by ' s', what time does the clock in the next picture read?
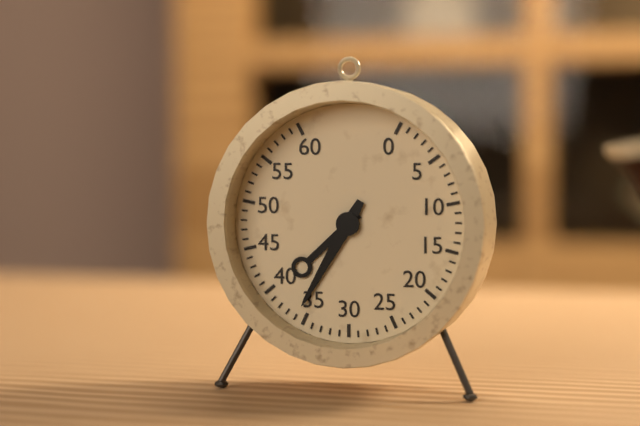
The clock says 7 h 35 min
